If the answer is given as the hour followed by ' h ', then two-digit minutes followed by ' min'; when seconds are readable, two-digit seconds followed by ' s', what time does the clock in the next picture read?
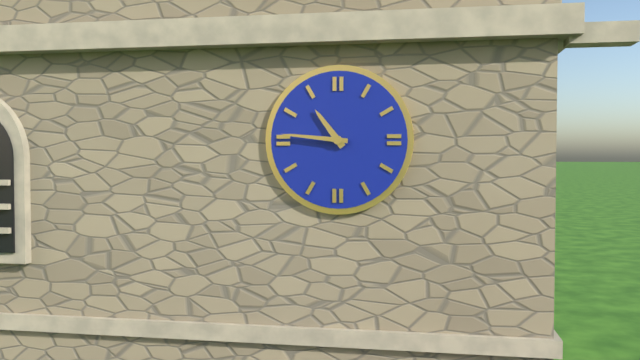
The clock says 10 h 46 min
